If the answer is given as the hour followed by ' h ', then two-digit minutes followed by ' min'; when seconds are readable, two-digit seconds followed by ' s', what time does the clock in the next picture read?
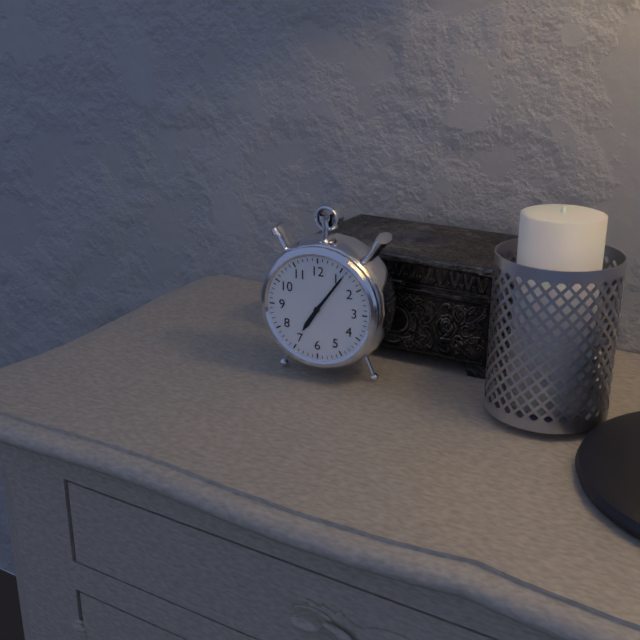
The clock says 7 h 06 min
